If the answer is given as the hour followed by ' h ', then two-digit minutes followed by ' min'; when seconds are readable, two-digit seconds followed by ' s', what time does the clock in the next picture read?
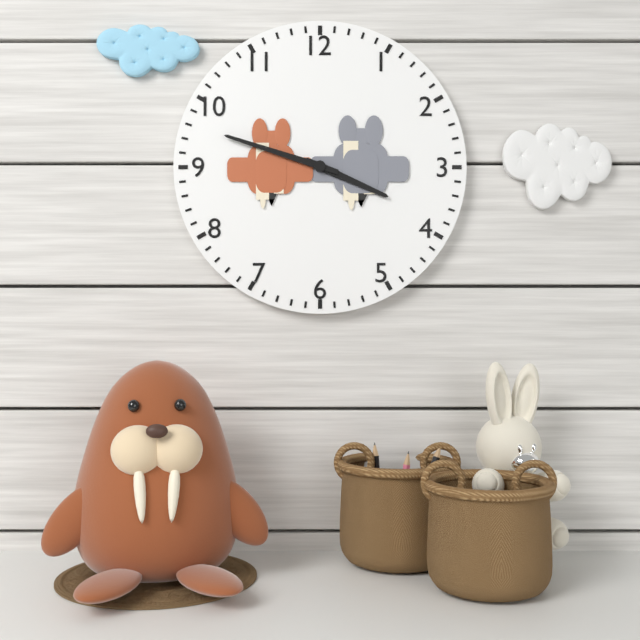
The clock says 3 h 48 min
